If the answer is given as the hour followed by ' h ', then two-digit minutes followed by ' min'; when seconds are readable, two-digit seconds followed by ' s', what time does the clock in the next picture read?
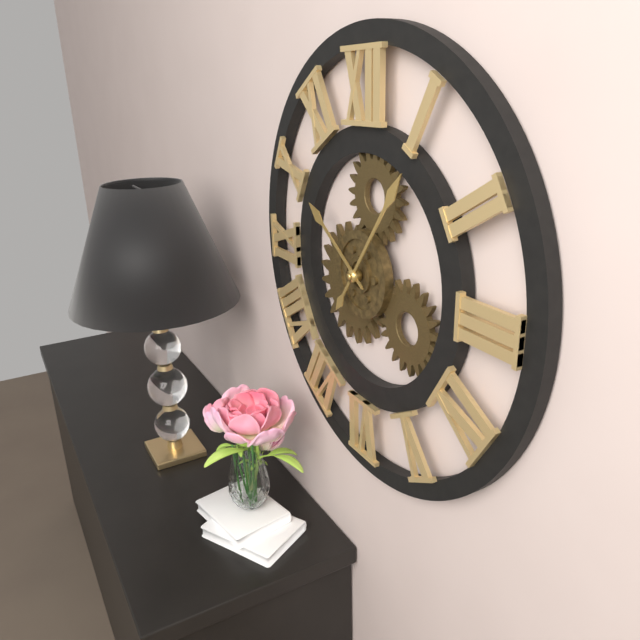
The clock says 10 h 06 min
